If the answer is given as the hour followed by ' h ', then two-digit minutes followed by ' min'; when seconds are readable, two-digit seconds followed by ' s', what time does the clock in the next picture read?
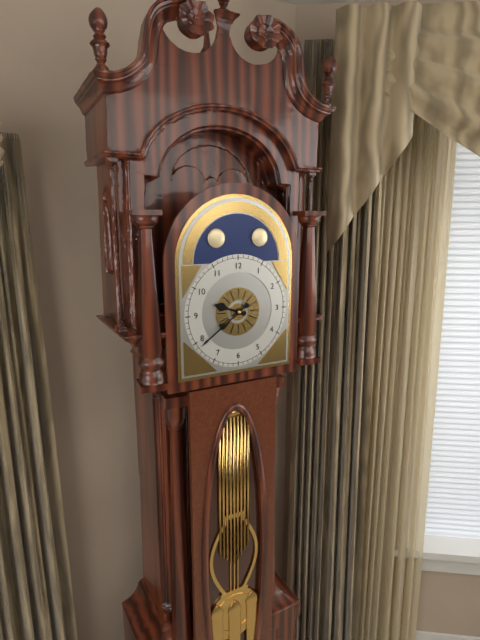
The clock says 9 h 39 min
